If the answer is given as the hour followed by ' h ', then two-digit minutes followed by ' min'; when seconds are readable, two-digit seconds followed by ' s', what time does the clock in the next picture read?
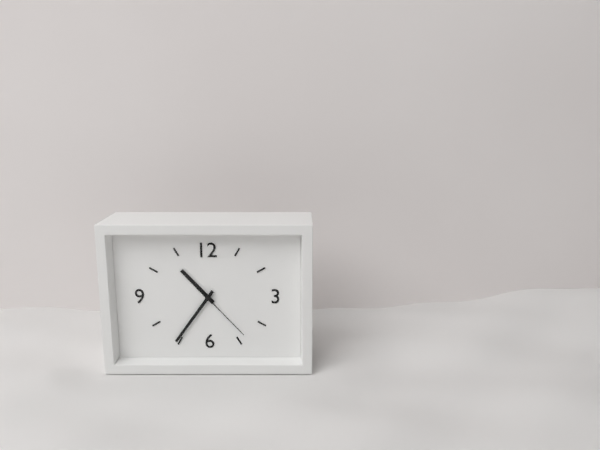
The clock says 10 h 36 min 23 s
